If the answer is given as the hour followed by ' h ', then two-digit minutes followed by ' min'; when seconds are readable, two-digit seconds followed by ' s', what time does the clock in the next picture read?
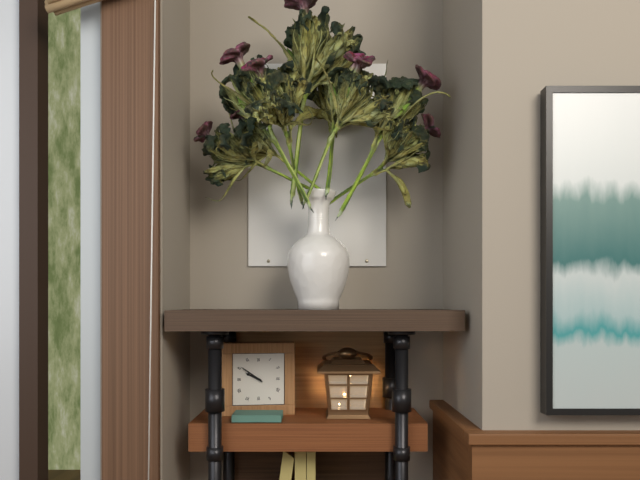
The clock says 9 h 51 min
